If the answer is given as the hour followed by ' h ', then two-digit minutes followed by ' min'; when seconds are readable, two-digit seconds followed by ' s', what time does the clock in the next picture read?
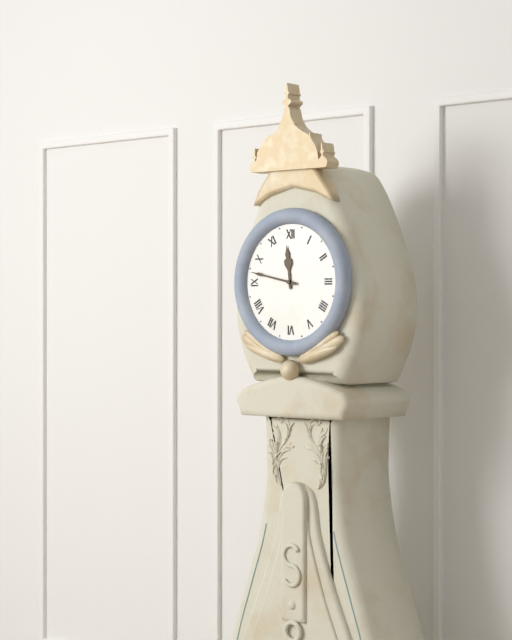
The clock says 11 h 47 min
